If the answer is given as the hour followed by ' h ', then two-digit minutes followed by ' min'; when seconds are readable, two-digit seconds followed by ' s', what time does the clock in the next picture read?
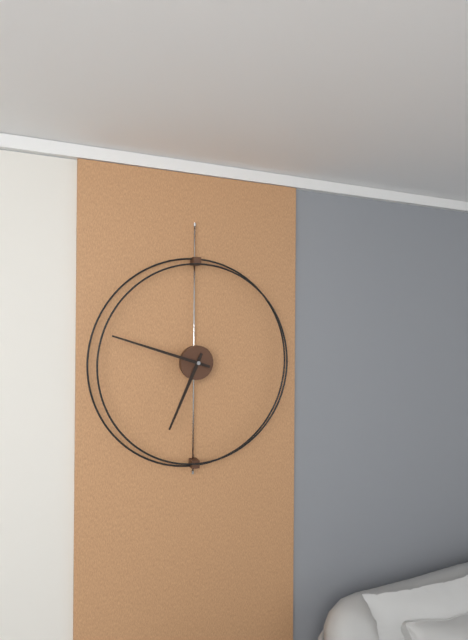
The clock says 6 h 48 min
